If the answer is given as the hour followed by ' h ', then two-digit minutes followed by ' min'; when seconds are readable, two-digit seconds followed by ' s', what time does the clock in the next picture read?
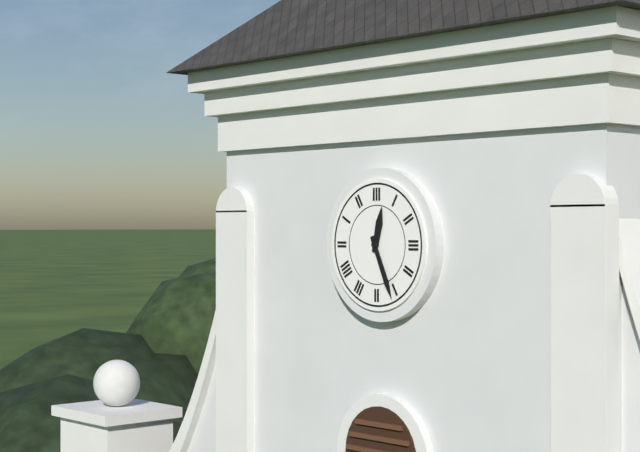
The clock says 12 h 26 min
